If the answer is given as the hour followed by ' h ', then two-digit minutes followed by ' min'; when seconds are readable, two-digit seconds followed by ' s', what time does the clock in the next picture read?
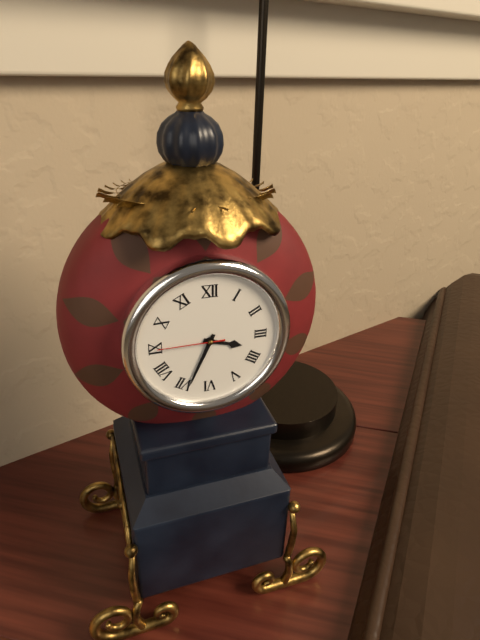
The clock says 3 h 34 min 45 s
